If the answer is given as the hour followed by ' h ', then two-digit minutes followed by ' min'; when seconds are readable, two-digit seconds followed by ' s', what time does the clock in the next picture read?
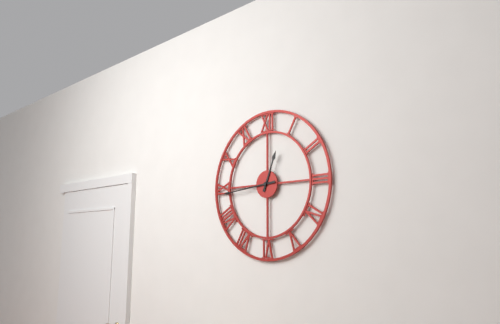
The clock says 12 h 44 min
